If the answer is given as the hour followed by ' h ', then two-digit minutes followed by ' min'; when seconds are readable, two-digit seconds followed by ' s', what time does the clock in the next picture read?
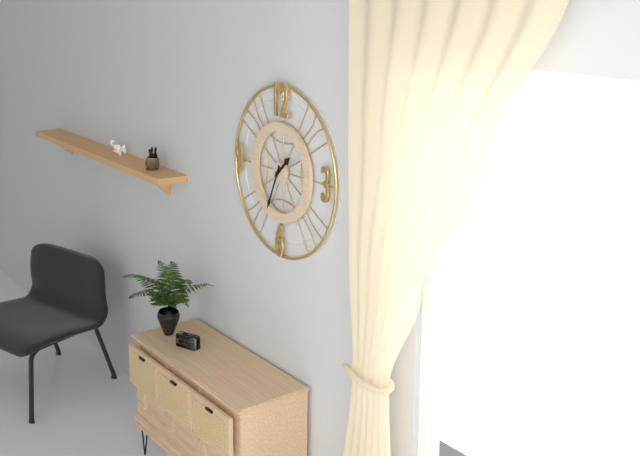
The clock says 1 h 34 min
